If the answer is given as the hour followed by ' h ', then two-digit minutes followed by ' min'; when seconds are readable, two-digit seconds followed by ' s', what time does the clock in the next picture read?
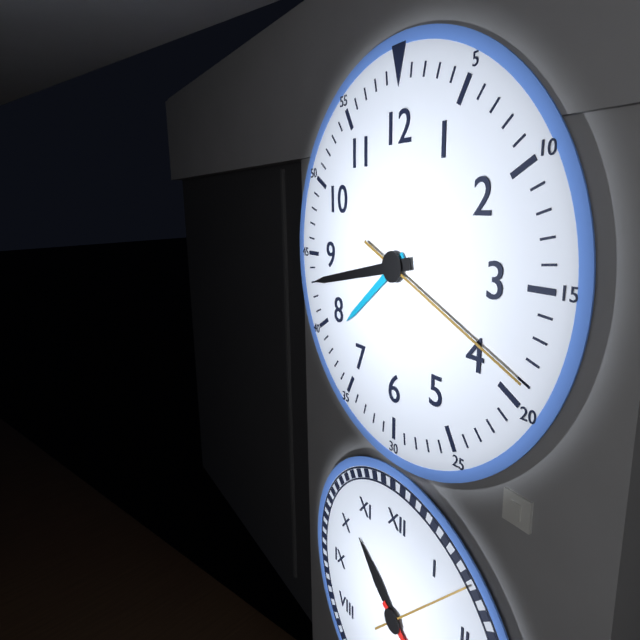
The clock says 7 h 43 min 19 s
